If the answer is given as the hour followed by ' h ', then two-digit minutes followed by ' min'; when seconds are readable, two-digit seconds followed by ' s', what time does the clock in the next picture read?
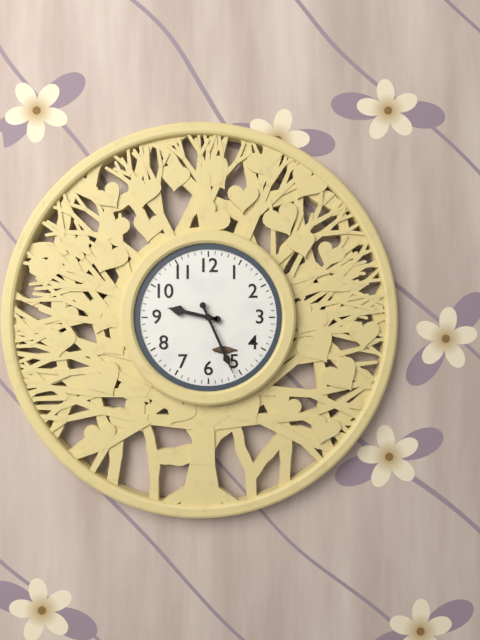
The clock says 9 h 26 min
